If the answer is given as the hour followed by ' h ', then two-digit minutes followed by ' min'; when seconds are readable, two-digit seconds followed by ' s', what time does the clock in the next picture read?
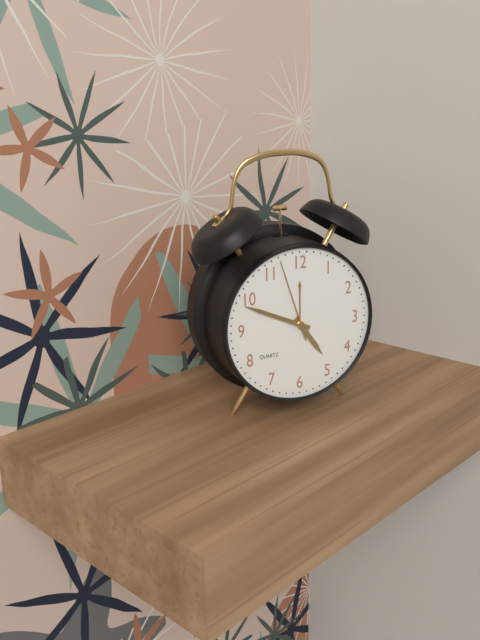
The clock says 4 h 49 min 57 s
